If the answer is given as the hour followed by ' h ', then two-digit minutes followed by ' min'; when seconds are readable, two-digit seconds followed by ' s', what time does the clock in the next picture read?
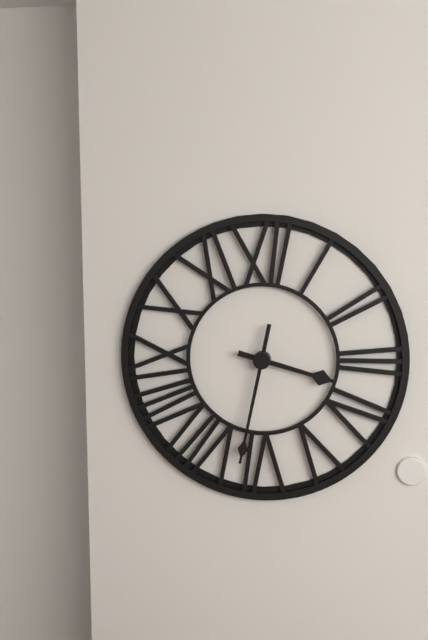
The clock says 3 h 32 min
